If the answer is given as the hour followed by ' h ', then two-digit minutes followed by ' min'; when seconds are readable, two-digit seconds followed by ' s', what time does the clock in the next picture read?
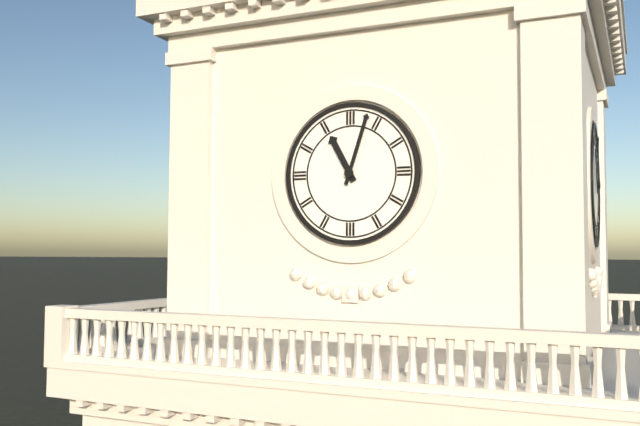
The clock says 11 h 03 min
